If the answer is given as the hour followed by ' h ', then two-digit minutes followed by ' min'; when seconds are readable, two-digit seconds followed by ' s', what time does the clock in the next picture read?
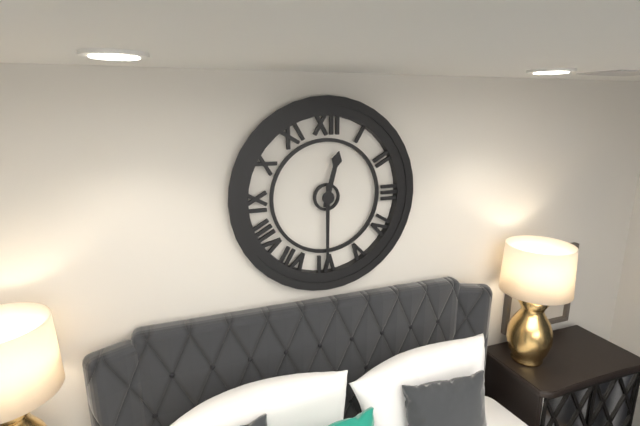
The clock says 12 h 30 min
